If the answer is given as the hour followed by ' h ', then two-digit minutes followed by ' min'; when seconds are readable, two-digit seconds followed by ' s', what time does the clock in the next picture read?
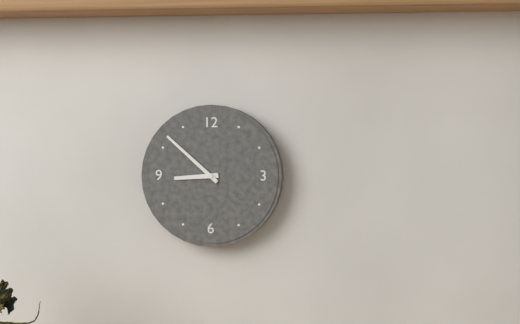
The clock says 8 h 52 min
